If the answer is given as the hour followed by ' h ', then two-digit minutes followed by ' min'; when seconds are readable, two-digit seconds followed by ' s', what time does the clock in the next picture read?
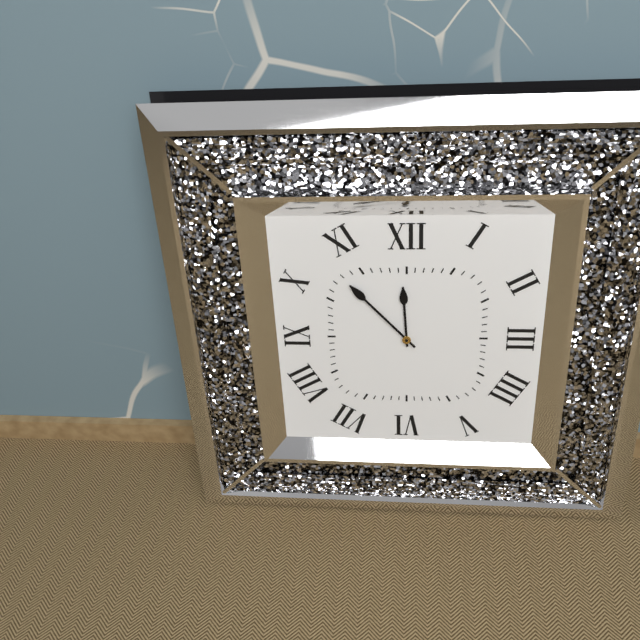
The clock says 11 h 53 min
